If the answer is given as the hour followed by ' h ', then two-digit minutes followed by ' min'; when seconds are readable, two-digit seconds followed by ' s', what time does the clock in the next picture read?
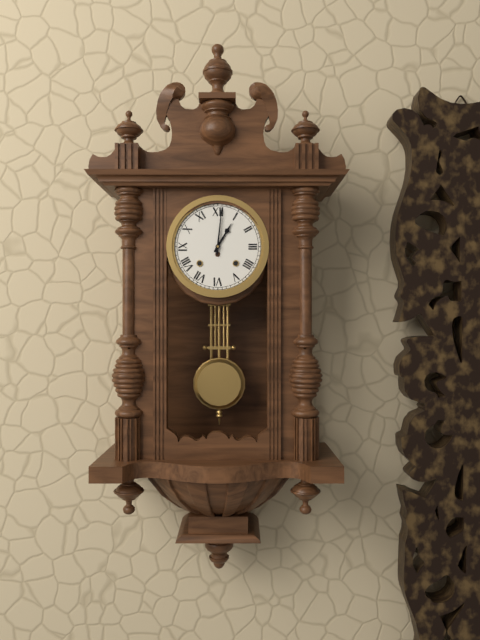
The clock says 1 h 01 min
